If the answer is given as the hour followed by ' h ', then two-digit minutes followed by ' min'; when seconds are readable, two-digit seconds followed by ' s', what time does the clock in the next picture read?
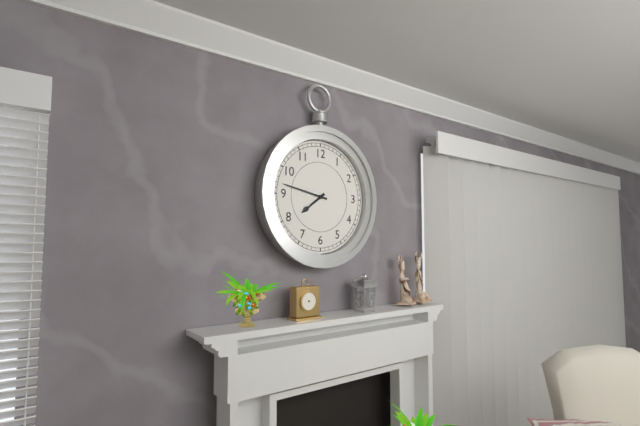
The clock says 7 h 47 min
